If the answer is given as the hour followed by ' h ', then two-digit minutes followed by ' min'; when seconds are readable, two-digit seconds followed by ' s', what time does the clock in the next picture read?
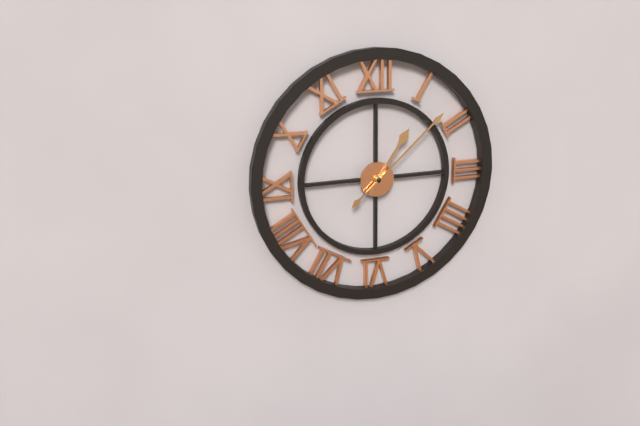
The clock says 1 h 08 min
